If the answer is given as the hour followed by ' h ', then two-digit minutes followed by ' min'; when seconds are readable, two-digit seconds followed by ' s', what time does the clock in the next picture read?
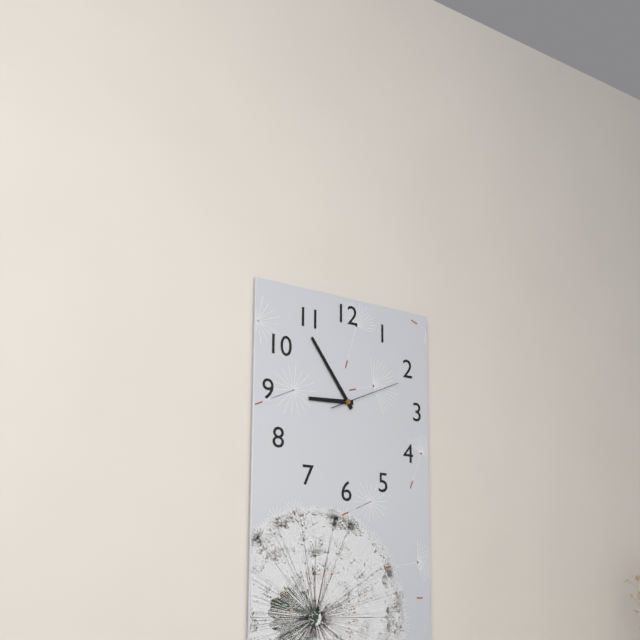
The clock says 8 h 54 min 11 s
